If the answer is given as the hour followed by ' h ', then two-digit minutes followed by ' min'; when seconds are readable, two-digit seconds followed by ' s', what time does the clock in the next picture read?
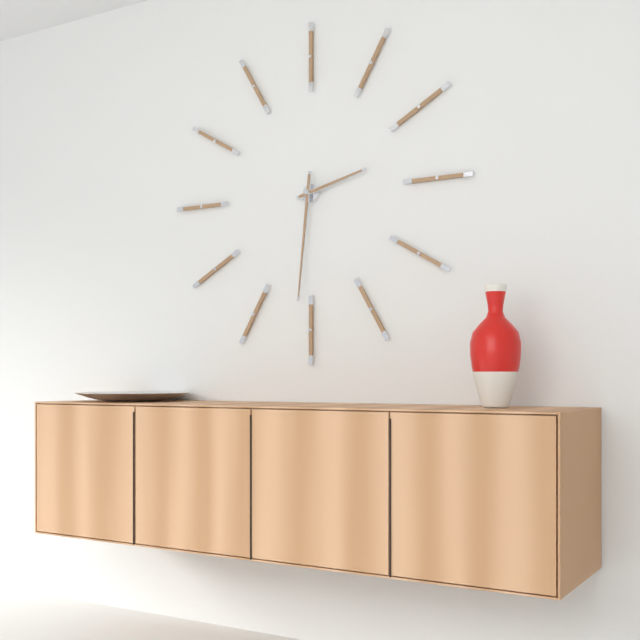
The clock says 2 h 31 min
